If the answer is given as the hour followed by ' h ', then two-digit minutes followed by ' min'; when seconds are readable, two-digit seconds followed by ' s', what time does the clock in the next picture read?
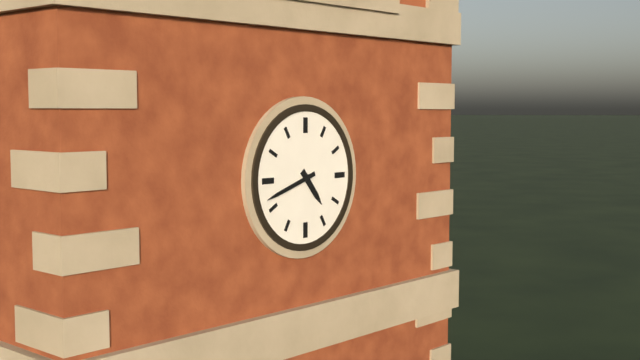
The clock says 4 h 42 min
